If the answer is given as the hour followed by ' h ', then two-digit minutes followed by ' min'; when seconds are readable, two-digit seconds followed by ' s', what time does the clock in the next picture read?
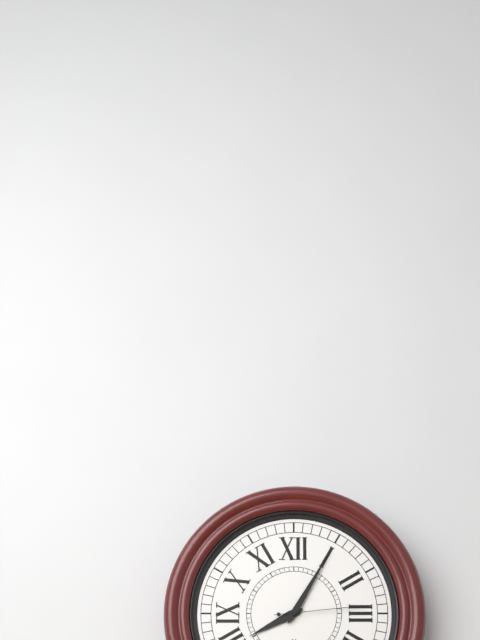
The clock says 8 h 05 min 14 s
